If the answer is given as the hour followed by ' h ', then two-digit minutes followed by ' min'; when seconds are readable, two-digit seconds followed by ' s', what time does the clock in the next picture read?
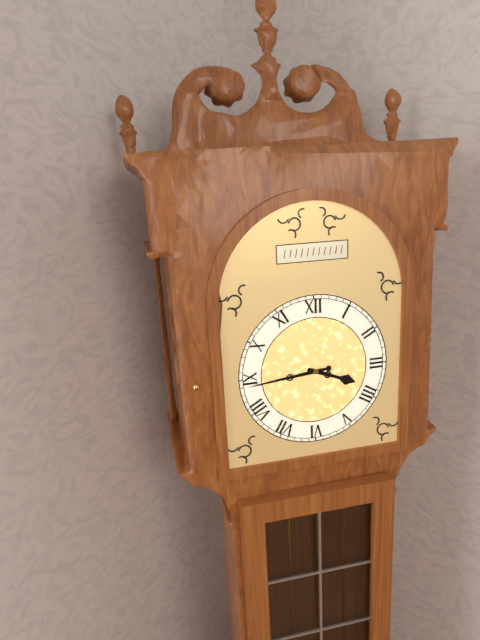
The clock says 3 h 44 min
